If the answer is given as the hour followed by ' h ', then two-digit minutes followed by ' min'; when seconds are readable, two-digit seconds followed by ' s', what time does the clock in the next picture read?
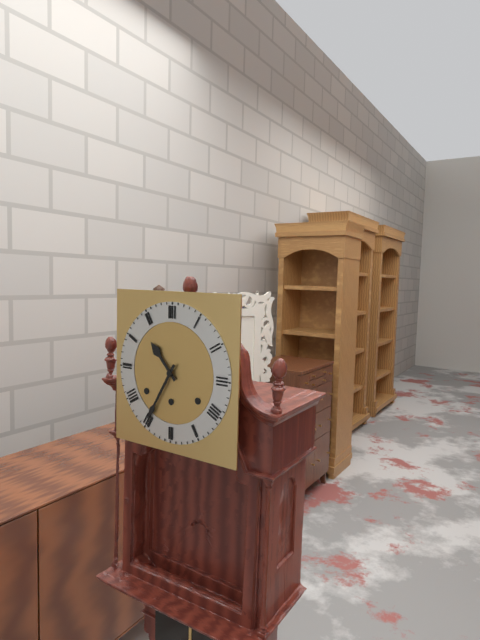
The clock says 10 h 35 min
